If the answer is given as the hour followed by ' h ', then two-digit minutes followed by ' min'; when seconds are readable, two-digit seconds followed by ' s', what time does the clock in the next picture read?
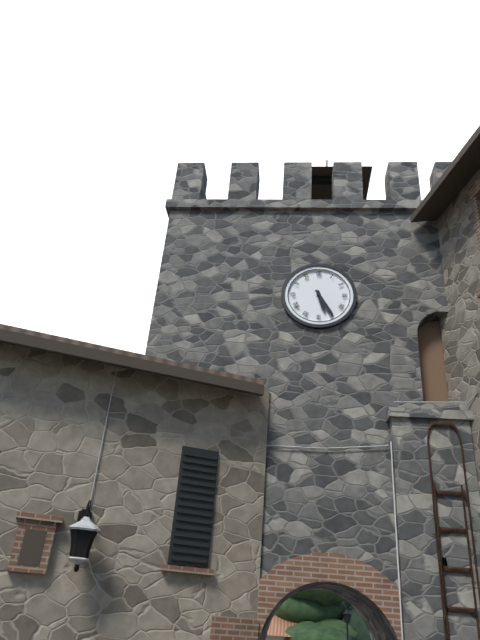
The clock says 5 h 25 min
